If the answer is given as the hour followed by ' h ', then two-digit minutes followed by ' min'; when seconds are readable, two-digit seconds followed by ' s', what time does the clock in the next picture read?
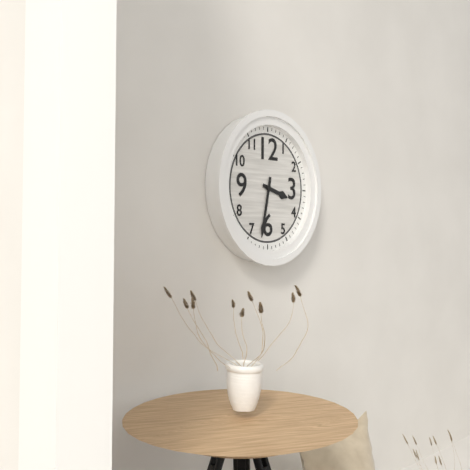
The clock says 3 h 32 min
